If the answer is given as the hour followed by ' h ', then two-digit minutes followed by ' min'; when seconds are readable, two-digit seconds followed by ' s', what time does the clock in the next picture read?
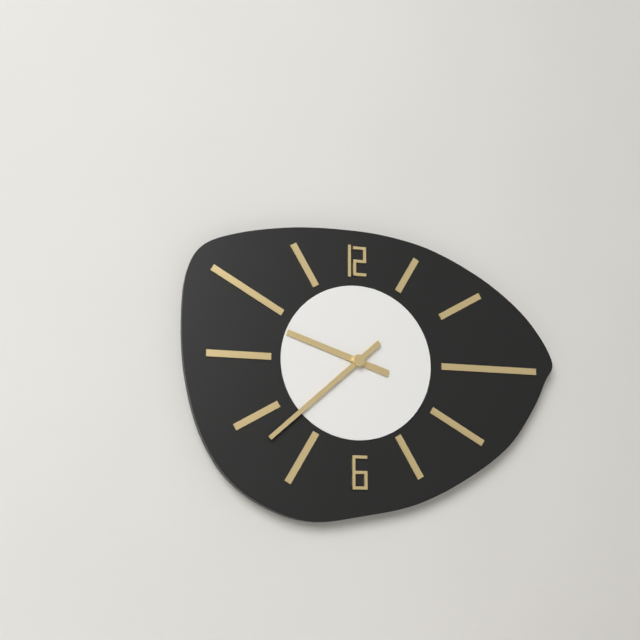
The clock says 9 h 38 min
